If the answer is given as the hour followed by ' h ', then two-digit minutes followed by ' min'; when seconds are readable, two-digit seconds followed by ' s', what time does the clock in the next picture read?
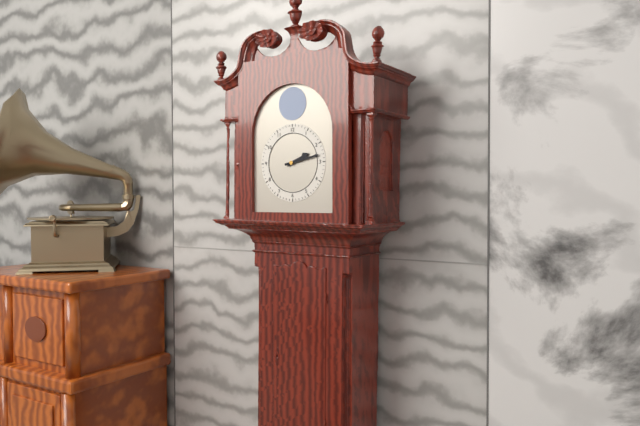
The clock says 2 h 13 min
